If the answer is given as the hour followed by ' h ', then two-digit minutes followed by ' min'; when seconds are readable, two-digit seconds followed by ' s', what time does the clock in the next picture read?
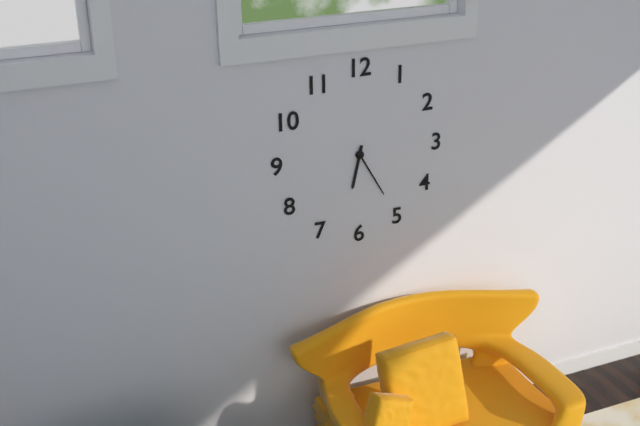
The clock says 6 h 25 min
